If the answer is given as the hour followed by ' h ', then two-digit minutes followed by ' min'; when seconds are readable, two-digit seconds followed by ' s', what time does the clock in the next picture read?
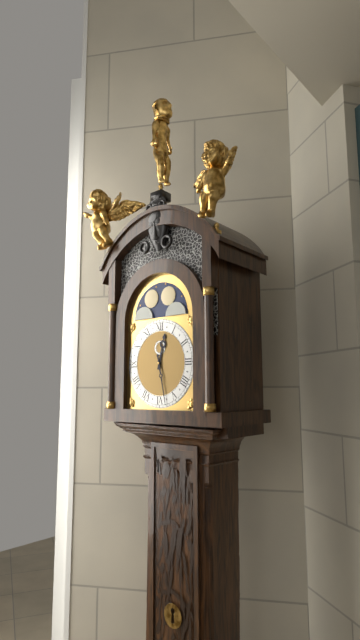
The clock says 12 h 28 min
